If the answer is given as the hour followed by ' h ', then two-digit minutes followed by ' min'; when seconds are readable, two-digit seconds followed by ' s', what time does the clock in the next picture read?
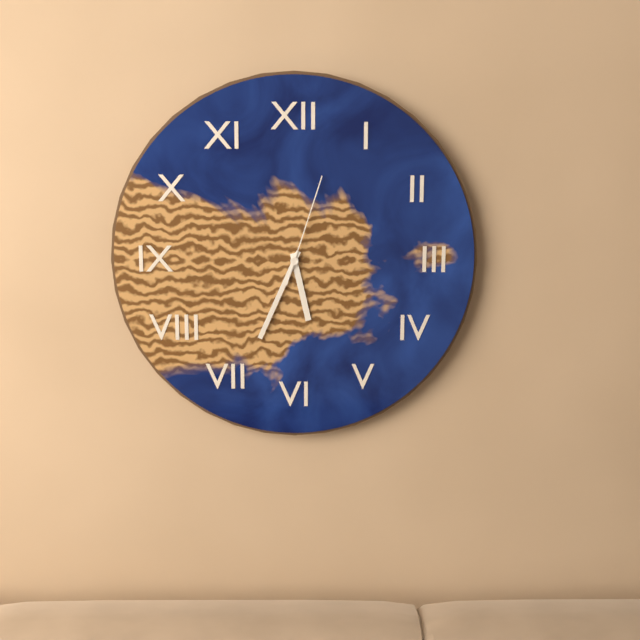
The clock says 5 h 34 min 03 s
